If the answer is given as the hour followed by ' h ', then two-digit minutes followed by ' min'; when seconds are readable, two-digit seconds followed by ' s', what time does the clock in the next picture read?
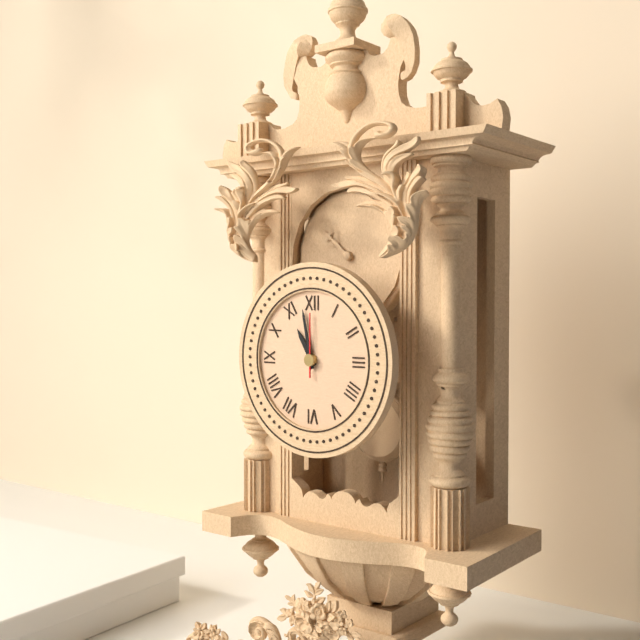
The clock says 10 h 58 min 00 s
